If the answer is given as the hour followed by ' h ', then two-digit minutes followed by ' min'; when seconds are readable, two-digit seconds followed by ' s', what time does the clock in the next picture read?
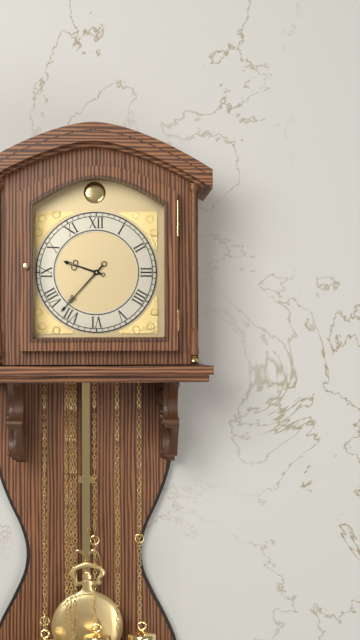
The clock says 9 h 37 min
